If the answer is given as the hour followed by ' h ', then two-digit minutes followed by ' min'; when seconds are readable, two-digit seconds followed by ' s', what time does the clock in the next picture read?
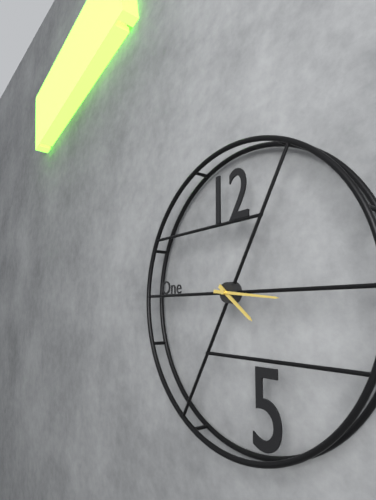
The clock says 4 h 16 min
